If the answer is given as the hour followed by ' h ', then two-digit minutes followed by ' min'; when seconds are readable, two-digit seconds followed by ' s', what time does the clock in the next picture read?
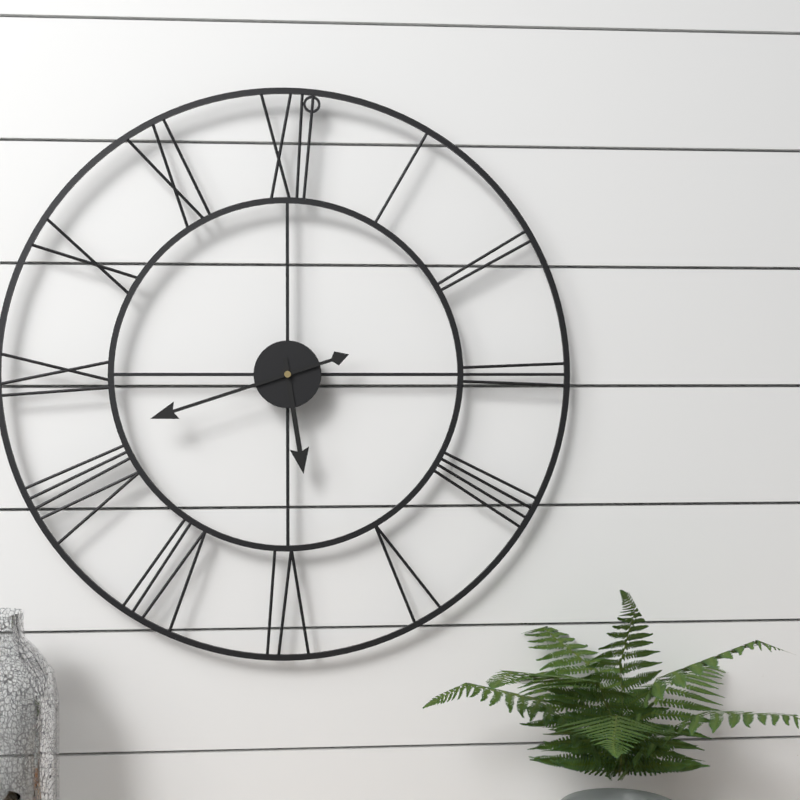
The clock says 5 h 42 min
